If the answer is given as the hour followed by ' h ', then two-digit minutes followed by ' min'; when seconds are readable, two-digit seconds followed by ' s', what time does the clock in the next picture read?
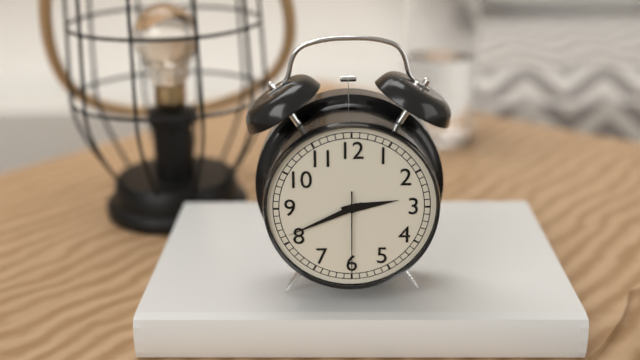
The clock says 2 h 41 min 30 s
